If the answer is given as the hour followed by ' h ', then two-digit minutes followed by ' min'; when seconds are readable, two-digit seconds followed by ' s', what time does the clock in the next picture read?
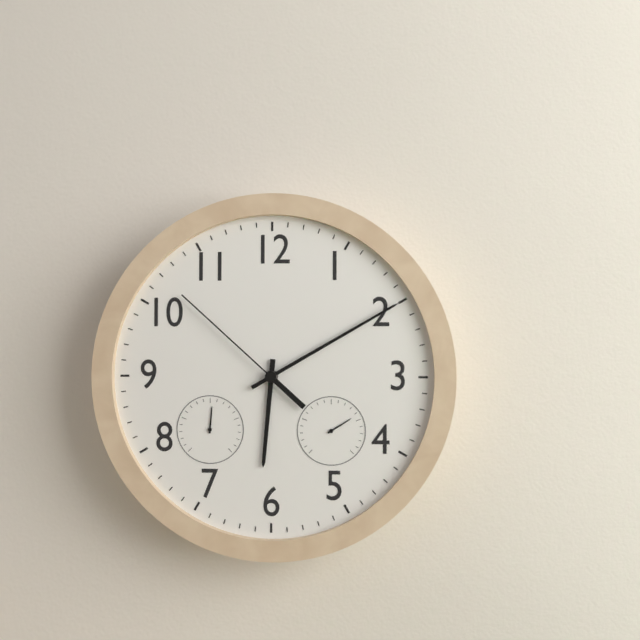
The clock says 6 h 10 min 52 s
